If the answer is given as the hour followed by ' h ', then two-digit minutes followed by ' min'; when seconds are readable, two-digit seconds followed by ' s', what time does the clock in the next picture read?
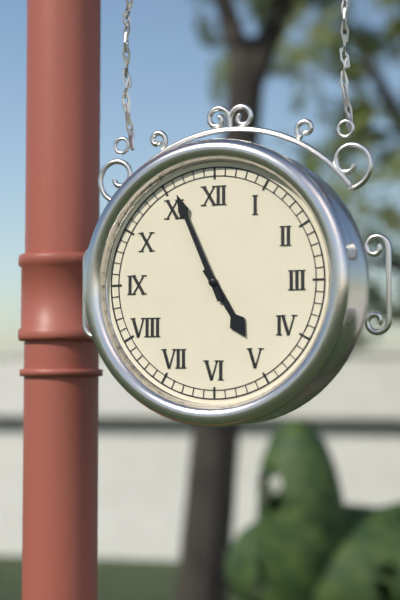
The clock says 4 h 56 min
